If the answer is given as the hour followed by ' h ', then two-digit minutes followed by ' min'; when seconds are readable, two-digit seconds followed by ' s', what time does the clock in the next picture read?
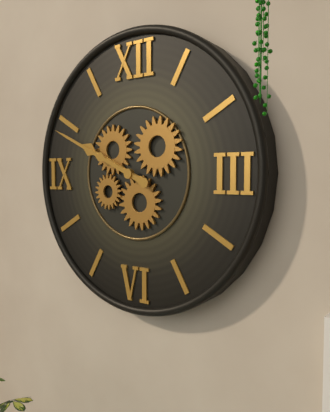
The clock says 9 h 49 min
